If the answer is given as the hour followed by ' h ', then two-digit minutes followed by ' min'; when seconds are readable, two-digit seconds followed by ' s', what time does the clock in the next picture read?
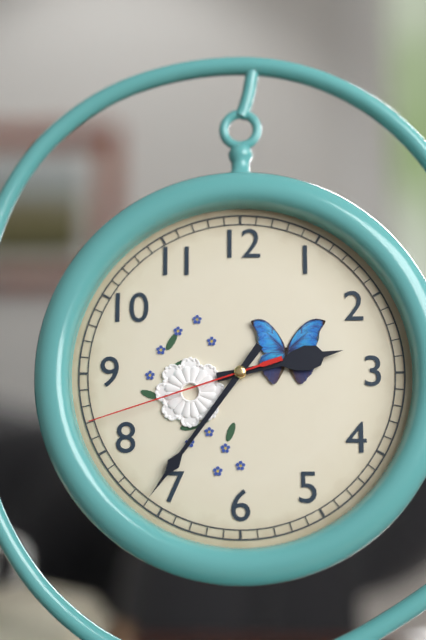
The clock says 2 h 36 min 42 s
